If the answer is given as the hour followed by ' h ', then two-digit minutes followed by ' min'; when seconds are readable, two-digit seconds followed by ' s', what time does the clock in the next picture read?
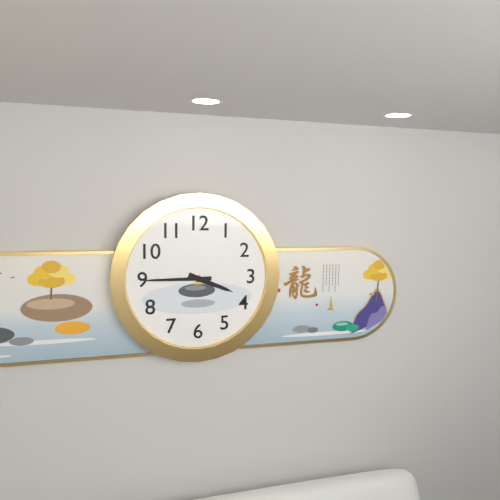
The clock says 3 h 45 min
